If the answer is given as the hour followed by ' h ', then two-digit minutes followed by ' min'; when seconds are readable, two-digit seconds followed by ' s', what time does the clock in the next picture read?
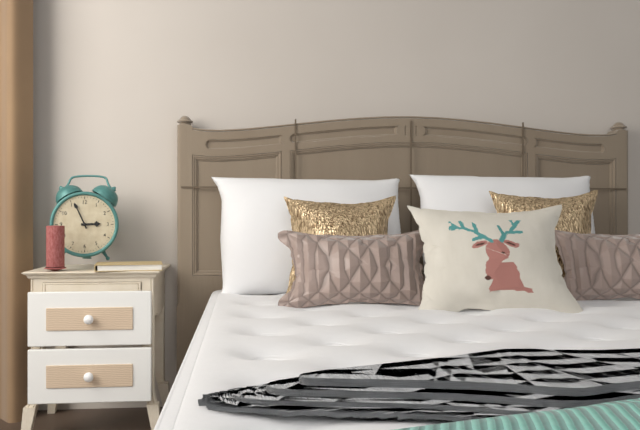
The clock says 2 h 56 min
